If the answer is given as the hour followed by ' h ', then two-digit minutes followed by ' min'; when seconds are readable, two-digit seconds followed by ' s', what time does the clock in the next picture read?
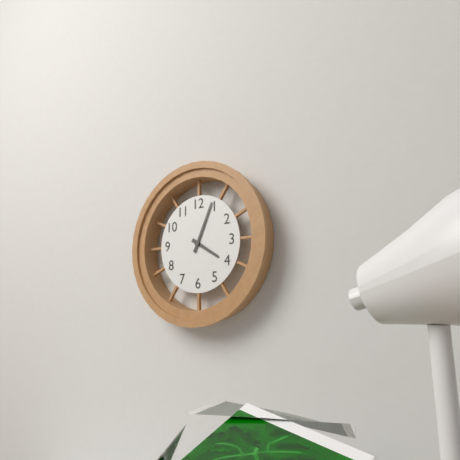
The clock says 4 h 04 min
